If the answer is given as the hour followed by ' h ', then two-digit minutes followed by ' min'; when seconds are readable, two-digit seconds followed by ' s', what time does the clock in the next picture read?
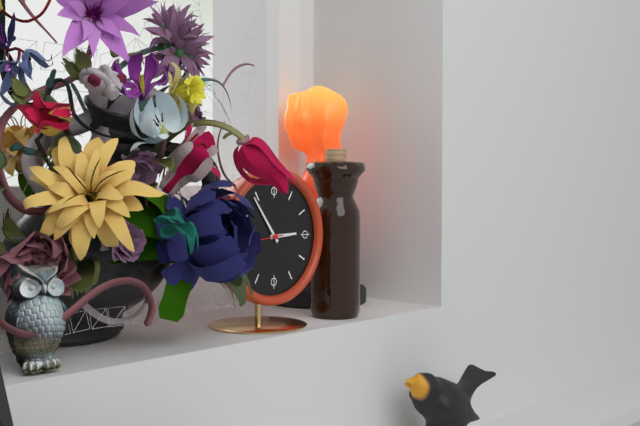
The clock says 2 h 54 min
